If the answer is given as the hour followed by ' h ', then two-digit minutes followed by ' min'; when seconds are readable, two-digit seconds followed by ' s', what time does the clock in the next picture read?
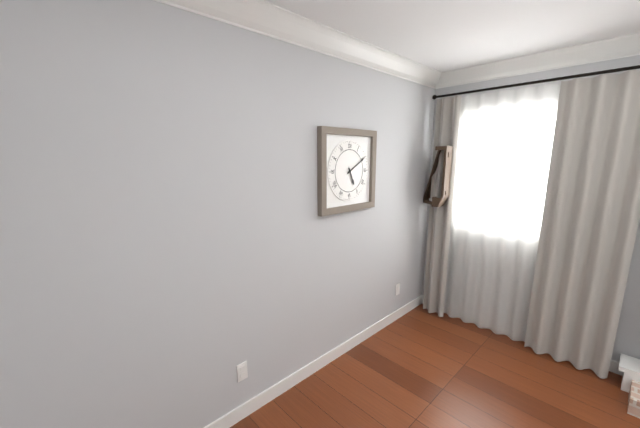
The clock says 5 h 10 min
